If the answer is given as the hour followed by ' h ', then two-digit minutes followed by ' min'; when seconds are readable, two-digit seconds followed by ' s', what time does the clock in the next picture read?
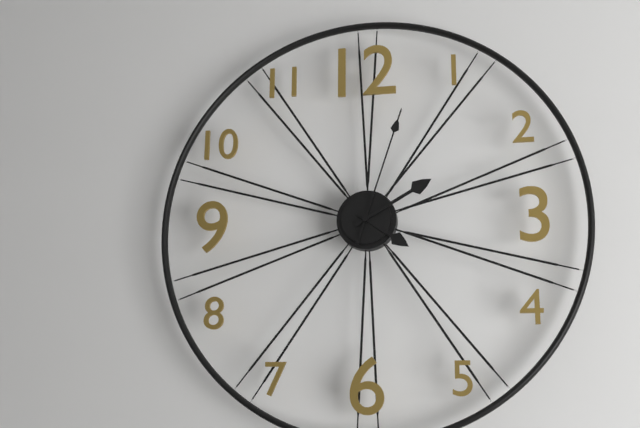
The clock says 4 h 10 min 03 s
